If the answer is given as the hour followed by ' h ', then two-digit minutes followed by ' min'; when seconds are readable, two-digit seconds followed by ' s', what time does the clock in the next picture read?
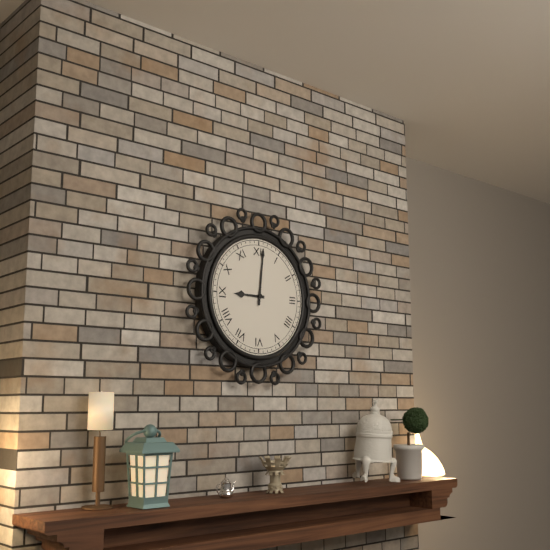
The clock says 9 h 01 min
